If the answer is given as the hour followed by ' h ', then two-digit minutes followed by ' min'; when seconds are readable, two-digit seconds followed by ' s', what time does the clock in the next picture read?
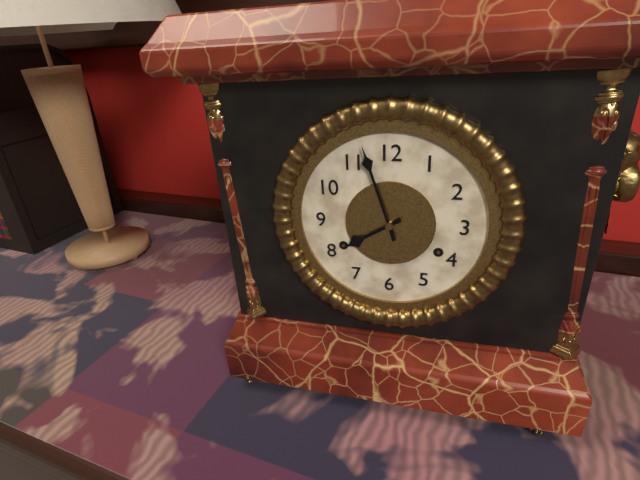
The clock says 7 h 57 min
